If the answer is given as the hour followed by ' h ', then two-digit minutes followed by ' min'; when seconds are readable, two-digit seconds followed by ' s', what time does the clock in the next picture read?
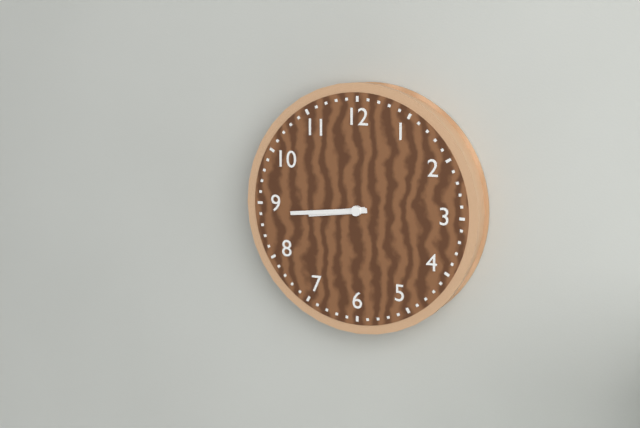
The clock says 8 h 44 min
